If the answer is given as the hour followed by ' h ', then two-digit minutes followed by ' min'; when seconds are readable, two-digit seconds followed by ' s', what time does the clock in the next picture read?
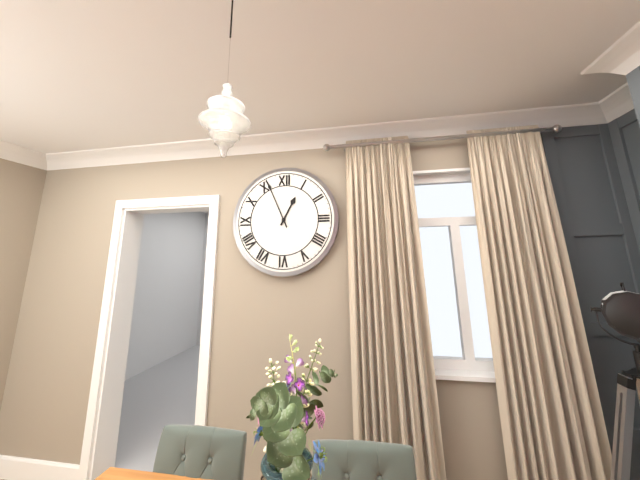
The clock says 12 h 56 min
